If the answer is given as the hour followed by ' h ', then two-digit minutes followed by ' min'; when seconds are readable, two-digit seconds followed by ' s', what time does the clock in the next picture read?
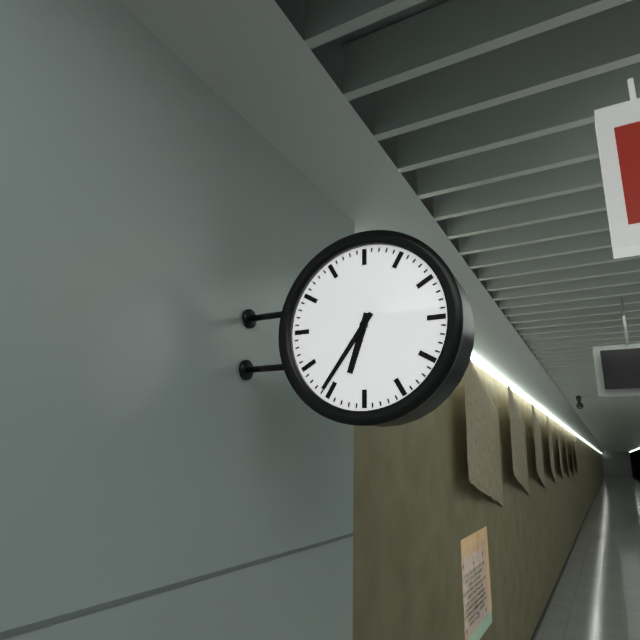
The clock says 6 h 36 min
